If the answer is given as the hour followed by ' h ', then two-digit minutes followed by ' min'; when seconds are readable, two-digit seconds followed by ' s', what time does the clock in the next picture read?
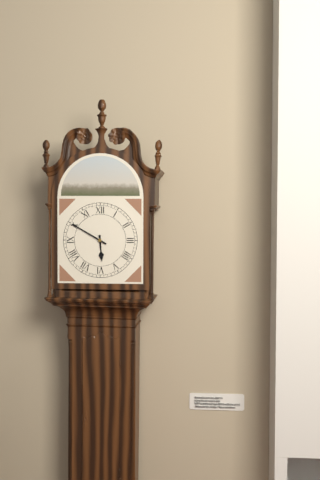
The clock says 5 h 50 min
